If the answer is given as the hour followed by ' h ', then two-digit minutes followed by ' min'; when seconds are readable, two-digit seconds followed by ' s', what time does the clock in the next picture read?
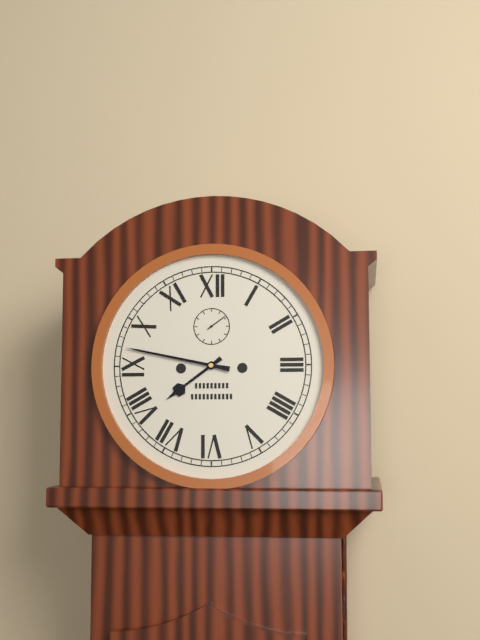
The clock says 7 h 47 min
